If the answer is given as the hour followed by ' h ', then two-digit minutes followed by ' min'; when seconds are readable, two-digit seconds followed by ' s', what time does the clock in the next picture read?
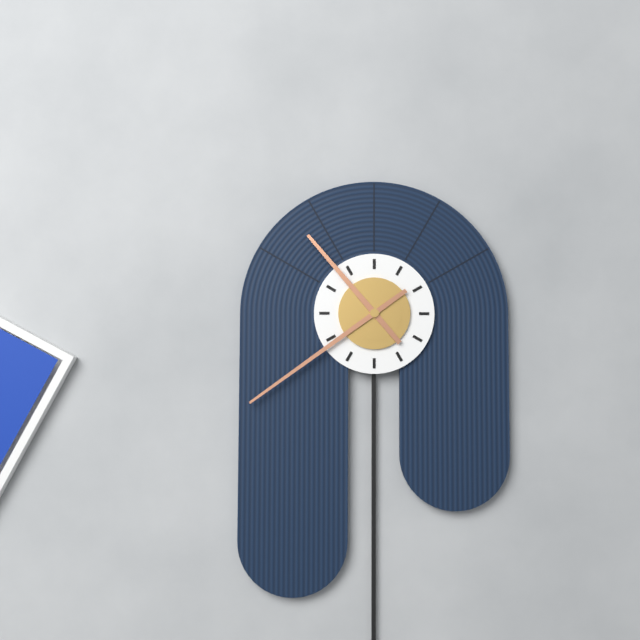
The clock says 10 h 39 min
